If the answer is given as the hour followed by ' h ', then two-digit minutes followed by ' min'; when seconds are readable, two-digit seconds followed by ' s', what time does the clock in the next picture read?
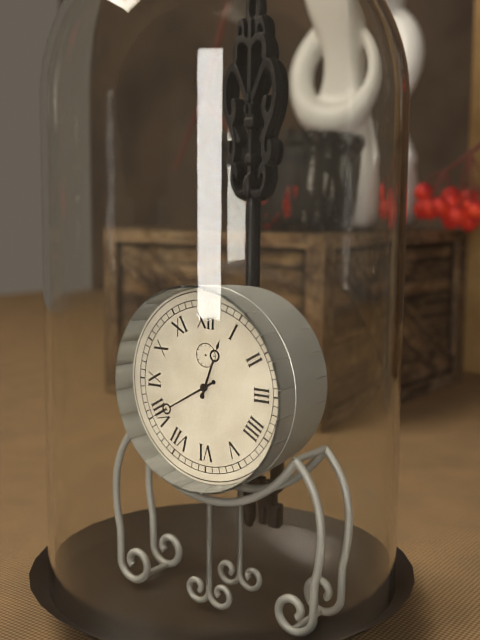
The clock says 12 h 40 min
